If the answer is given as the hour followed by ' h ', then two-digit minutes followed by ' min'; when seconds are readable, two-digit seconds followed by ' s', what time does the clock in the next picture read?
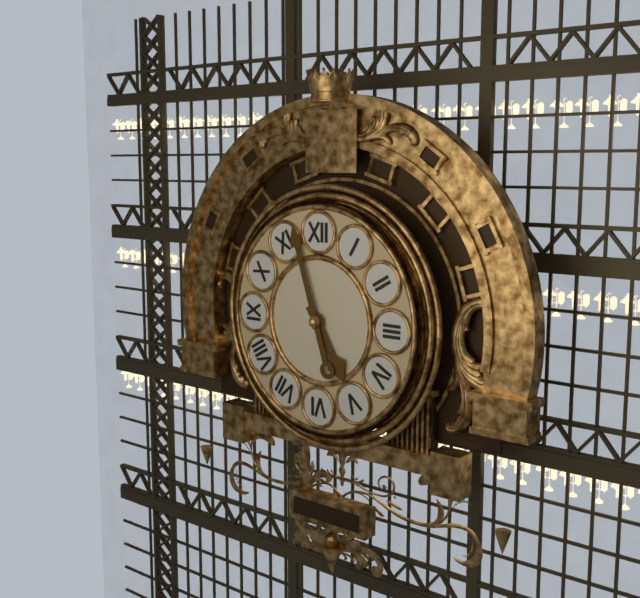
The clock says 4 h 57 min
